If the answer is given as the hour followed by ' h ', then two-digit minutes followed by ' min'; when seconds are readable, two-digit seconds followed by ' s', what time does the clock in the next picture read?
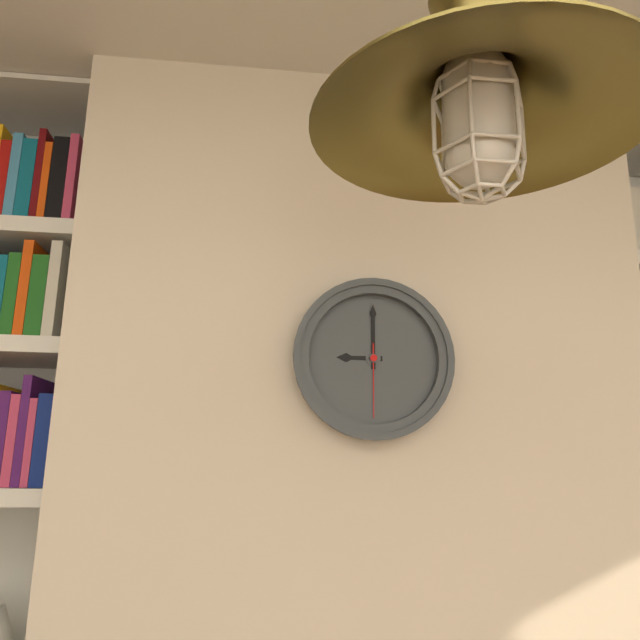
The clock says 9 h 00 min 30 s
